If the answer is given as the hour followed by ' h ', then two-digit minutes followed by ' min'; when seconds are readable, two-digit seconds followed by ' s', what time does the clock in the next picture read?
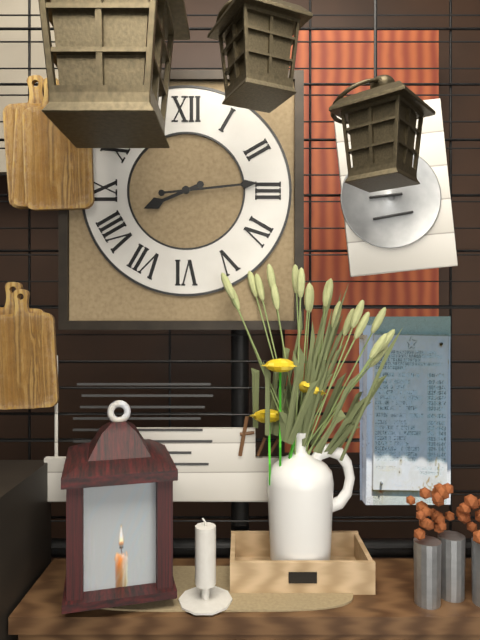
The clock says 8 h 14 min
